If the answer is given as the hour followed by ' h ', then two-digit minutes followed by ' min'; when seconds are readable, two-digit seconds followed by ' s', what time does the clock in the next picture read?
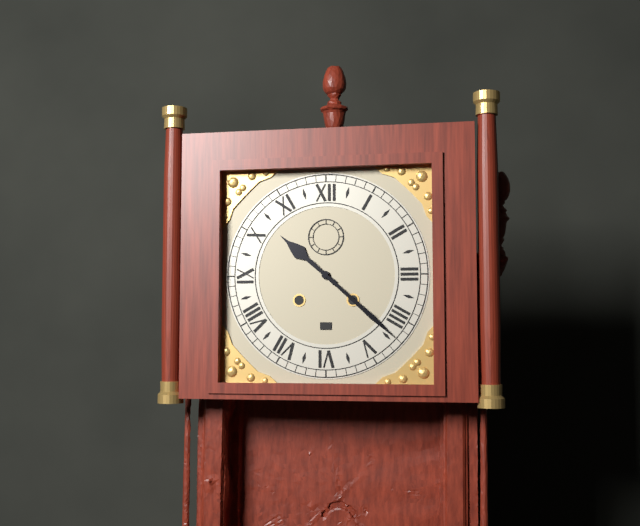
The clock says 10 h 22 min
